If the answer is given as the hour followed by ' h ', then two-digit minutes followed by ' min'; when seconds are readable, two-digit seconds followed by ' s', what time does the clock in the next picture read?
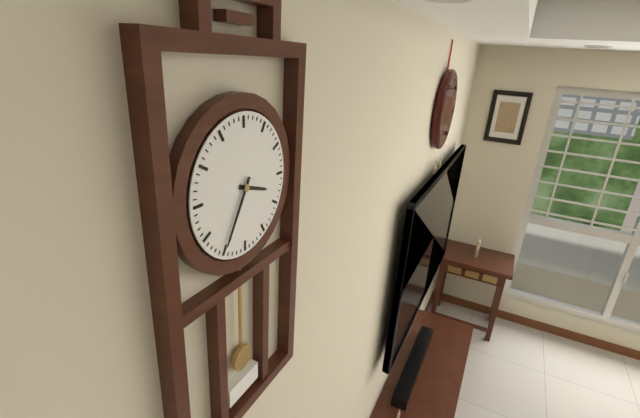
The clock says 3 h 35 min
